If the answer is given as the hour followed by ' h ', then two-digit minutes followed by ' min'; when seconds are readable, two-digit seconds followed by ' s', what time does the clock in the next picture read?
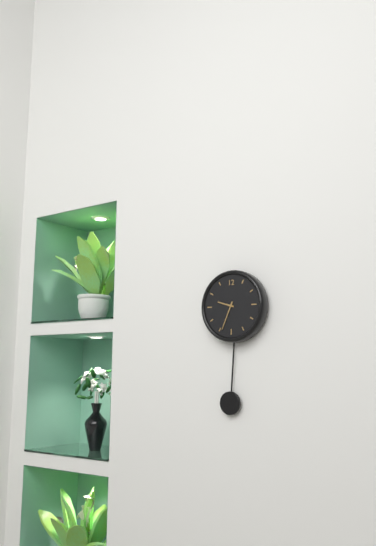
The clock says 9 h 34 min
